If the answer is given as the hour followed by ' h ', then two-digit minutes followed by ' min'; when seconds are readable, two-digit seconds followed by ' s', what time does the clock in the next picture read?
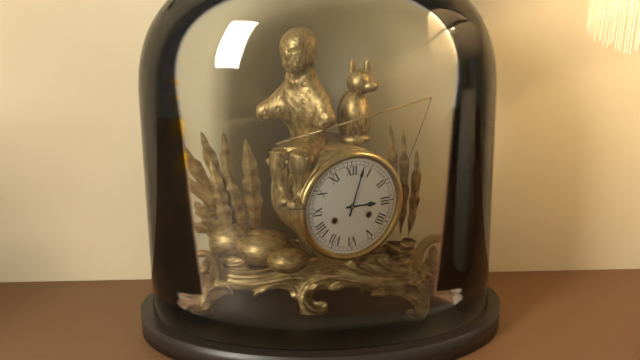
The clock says 3 h 03 min
